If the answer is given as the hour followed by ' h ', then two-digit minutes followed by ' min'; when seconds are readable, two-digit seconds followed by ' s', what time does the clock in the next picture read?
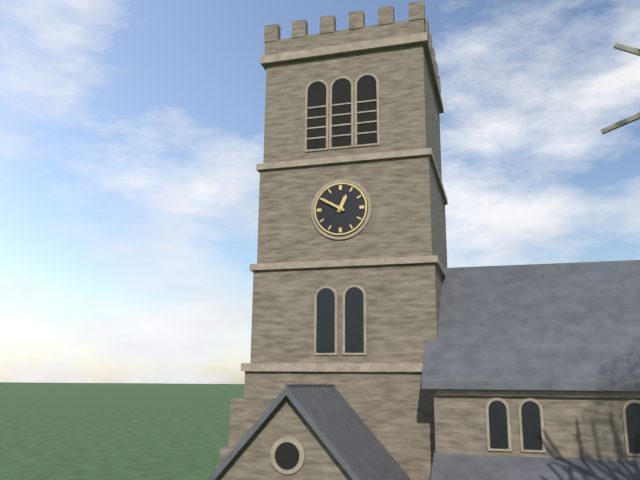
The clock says 12 h 50 min
